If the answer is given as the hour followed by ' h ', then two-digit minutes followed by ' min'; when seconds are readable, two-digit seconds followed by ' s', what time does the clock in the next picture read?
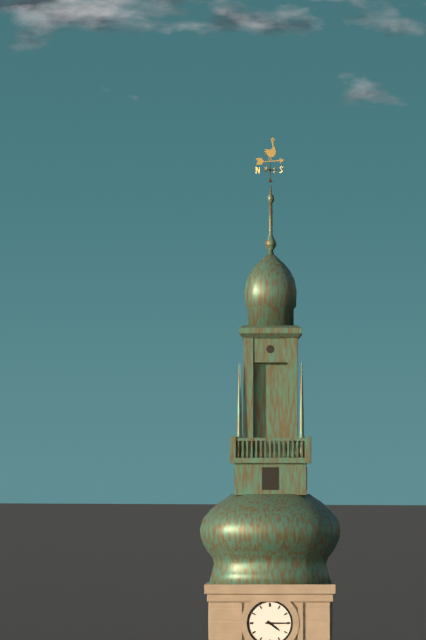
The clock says 4 h 15 min
